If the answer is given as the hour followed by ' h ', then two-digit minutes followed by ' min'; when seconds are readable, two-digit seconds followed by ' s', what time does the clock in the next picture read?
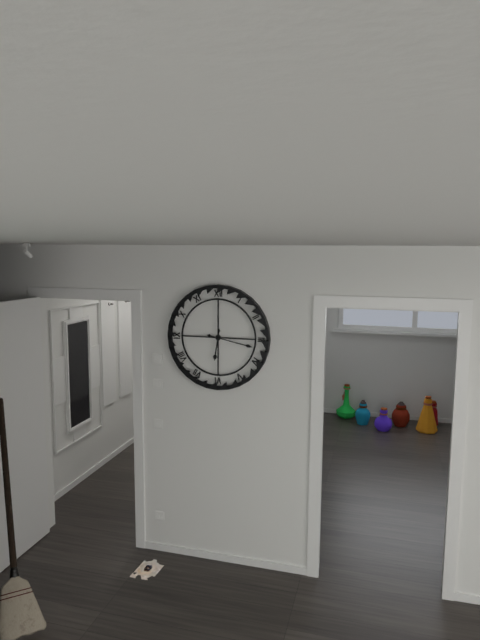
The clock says 6 h 17 min
